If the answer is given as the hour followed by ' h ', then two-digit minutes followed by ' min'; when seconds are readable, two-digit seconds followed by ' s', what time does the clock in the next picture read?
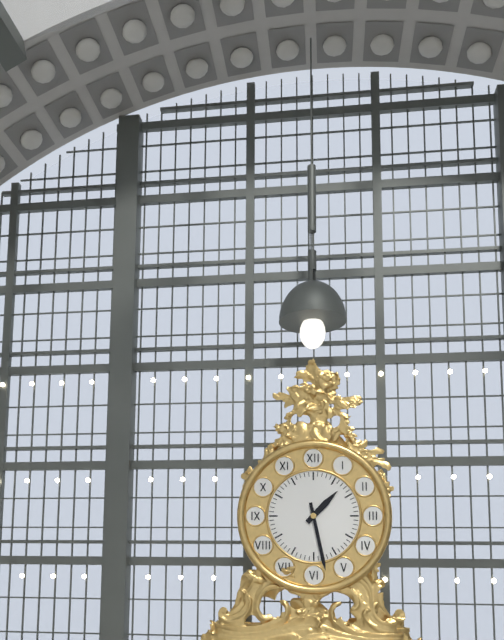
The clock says 1 h 28 min
